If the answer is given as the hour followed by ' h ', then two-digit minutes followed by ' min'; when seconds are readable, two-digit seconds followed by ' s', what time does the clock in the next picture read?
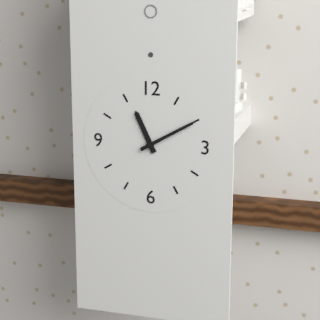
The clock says 11 h 10 min
